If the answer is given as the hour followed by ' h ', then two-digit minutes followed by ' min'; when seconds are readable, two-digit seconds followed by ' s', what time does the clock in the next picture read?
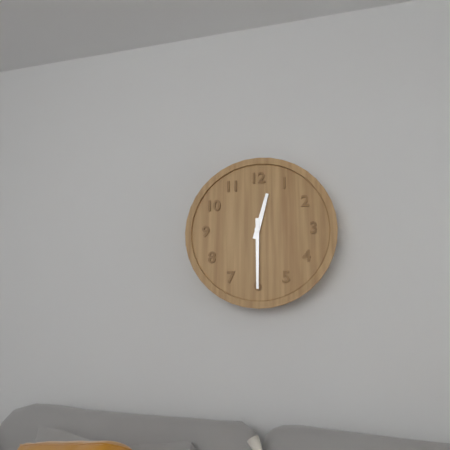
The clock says 12 h 30 min
